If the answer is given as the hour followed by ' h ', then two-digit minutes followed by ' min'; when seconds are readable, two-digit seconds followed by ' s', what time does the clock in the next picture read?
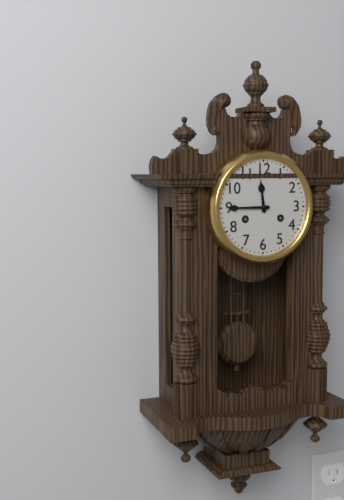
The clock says 11 h 45 min
